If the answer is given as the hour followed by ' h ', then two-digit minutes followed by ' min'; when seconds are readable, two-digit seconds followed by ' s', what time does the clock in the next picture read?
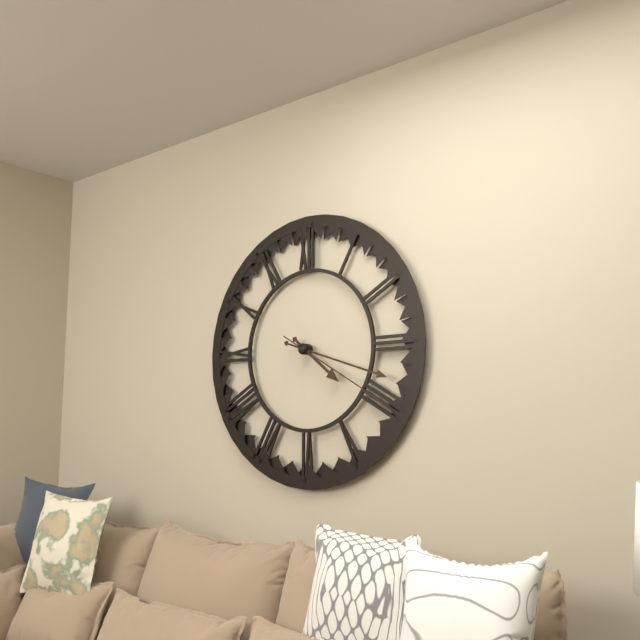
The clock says 4 h 18 min 20 s
